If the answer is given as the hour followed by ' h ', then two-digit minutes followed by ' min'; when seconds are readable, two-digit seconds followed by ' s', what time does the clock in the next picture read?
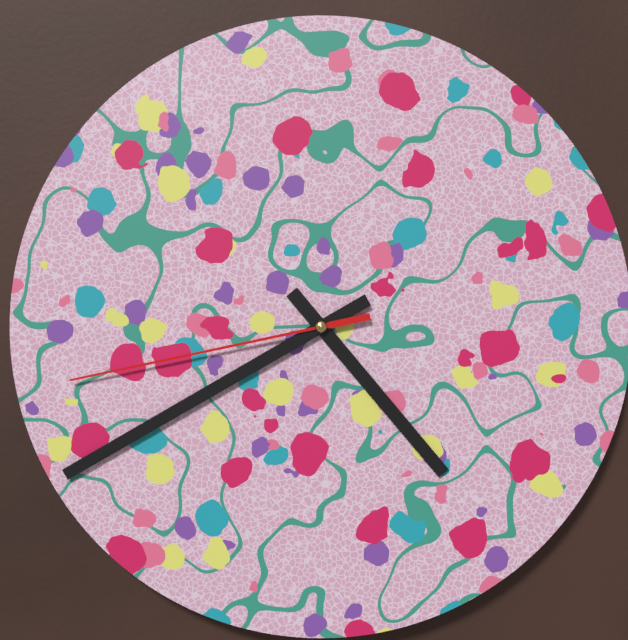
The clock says 4 h 40 min 43 s
